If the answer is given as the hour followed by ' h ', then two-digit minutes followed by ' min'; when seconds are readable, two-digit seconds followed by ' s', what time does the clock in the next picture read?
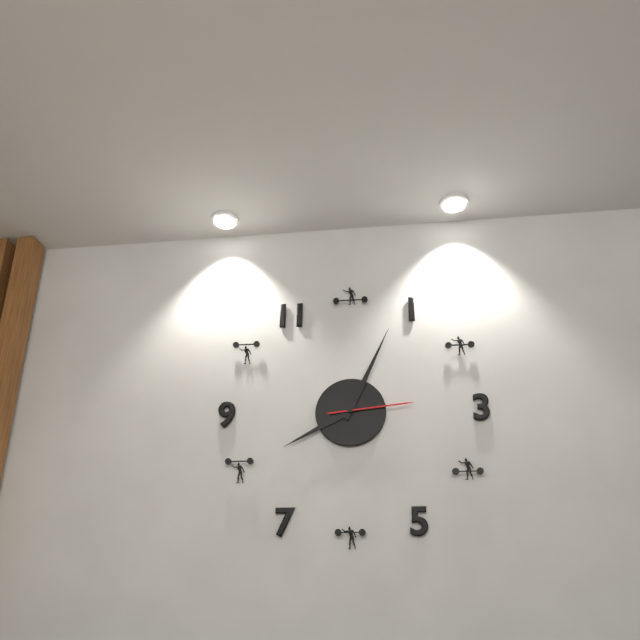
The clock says 8 h 04 min 14 s
